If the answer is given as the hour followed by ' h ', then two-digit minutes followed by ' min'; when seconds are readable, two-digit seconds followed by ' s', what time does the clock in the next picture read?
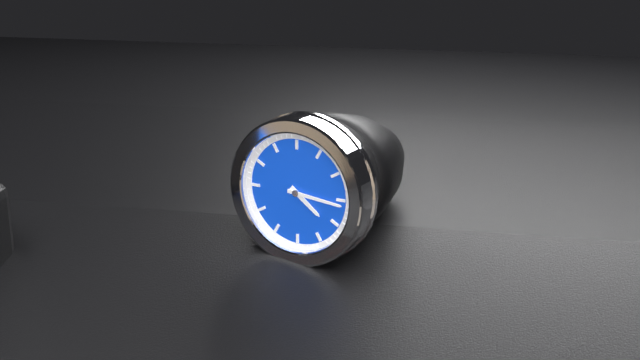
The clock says 4 h 16 min
